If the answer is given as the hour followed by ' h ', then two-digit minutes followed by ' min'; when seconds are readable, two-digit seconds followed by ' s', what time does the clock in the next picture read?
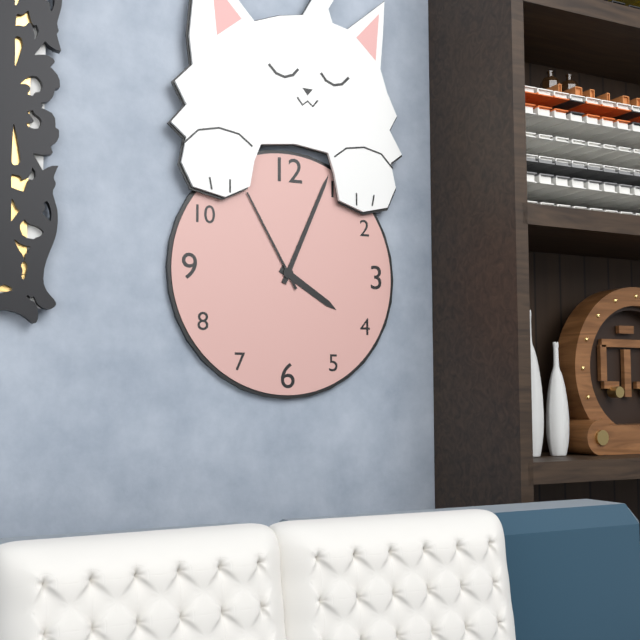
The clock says 4 h 04 min 55 s
